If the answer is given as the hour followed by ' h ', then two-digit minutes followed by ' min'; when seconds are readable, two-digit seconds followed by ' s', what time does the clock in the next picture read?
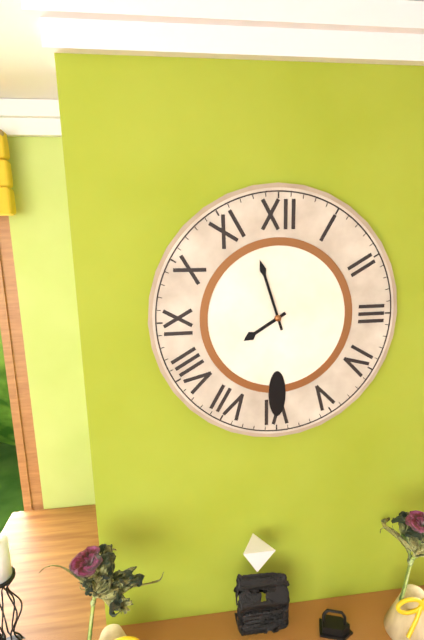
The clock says 7 h 57 min
